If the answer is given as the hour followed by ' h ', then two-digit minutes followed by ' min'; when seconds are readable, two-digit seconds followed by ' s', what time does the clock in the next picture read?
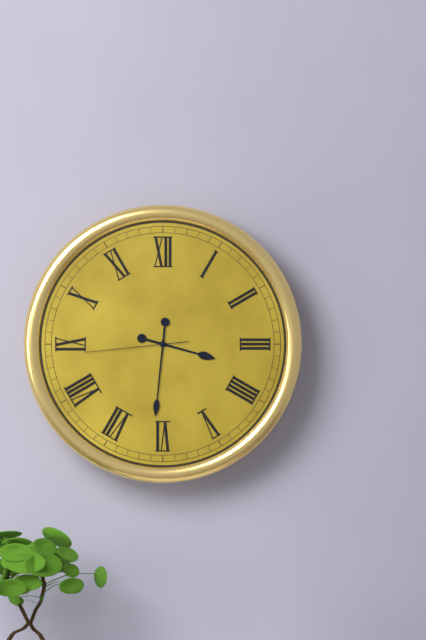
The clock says 3 h 31 min 44 s
